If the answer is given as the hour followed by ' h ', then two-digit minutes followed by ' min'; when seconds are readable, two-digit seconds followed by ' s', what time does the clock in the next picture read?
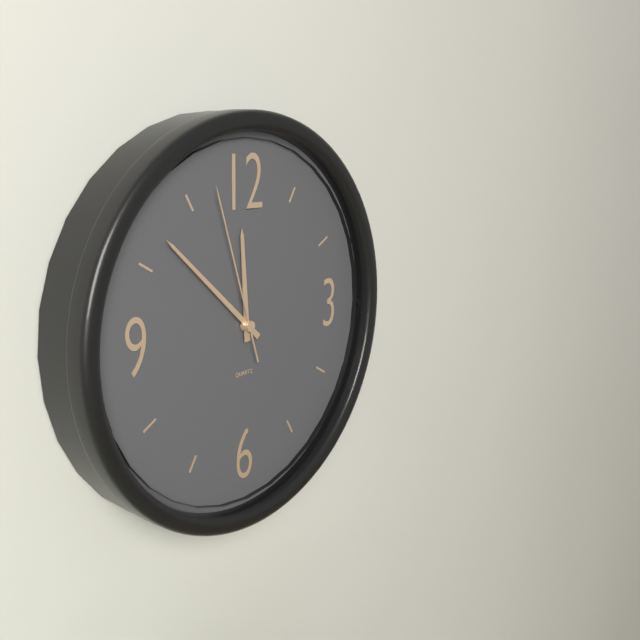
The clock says 11 h 52 min 57 s
